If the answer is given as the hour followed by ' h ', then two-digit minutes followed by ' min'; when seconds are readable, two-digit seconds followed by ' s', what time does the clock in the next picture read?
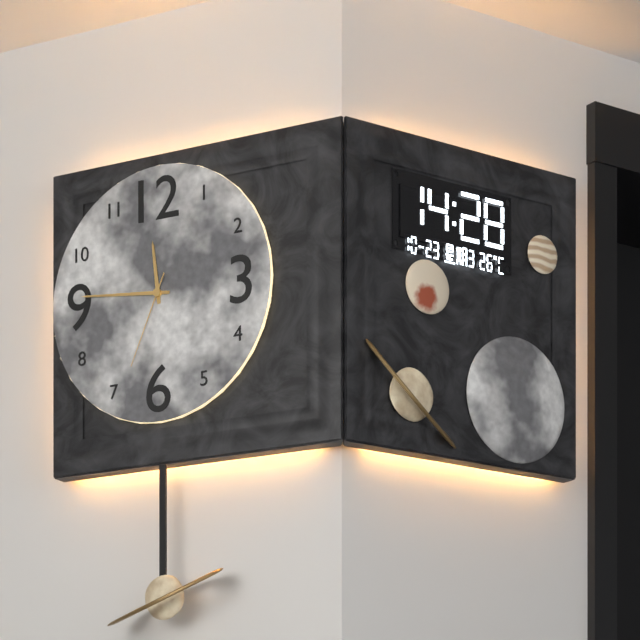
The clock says 11 h 46 min 34 s
